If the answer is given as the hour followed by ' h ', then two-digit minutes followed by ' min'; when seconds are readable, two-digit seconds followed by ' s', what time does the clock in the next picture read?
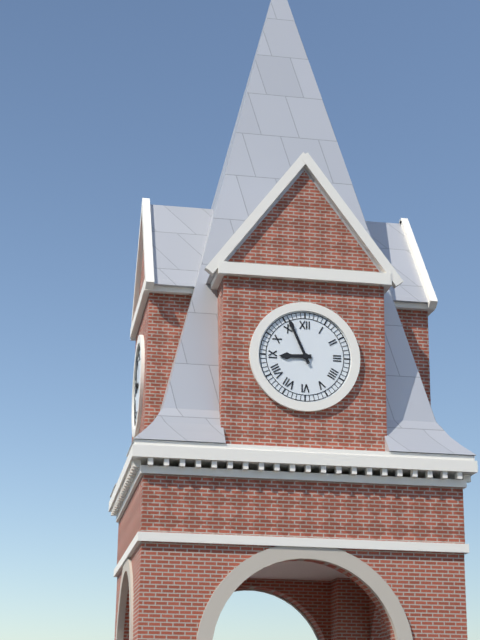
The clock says 8 h 56 min
